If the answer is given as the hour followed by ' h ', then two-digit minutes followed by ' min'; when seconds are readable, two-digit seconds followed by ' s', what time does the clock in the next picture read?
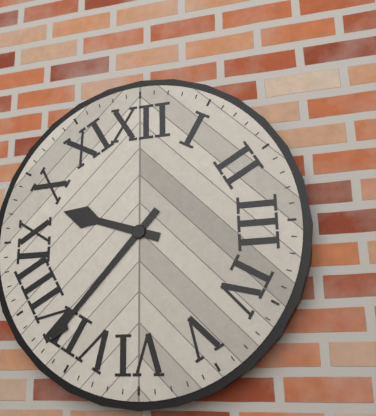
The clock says 9 h 37 min
